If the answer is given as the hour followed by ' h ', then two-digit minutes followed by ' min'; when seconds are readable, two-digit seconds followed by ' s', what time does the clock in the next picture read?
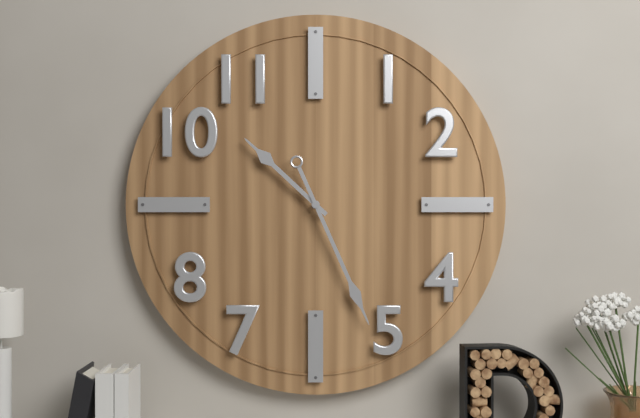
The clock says 10 h 26 min
